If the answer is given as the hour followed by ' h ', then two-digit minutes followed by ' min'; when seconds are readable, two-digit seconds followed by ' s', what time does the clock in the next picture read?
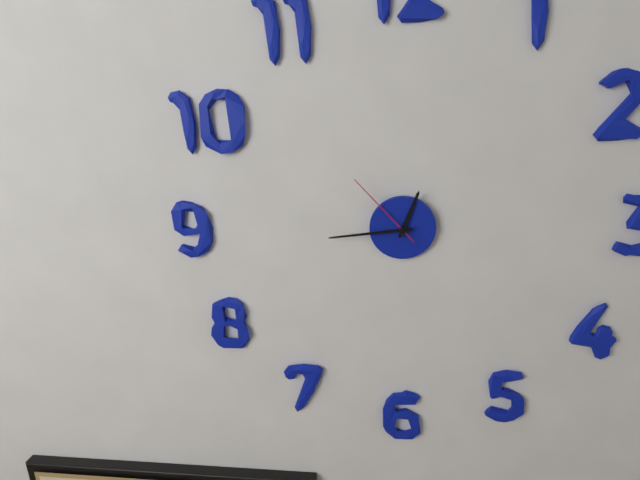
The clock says 12 h 44 min 53 s
